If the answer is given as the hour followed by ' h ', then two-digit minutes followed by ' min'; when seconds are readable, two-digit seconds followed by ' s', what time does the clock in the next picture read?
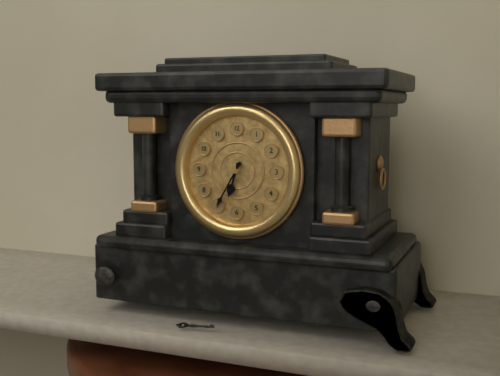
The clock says 6 h 35 min
